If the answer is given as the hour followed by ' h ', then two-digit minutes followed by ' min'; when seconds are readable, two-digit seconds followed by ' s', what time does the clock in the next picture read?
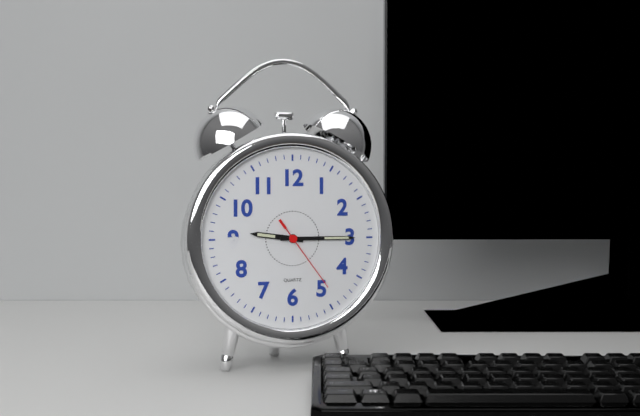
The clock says 9 h 15 min 24 s
